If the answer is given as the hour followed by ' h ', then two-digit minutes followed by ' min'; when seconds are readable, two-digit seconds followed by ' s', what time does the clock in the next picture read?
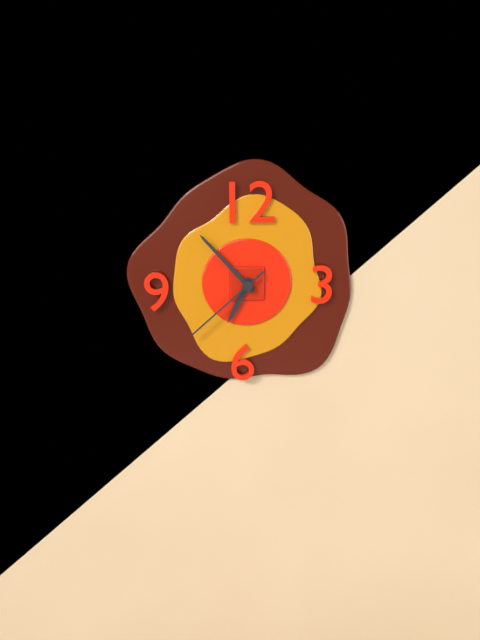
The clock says 6 h 53 min 38 s
